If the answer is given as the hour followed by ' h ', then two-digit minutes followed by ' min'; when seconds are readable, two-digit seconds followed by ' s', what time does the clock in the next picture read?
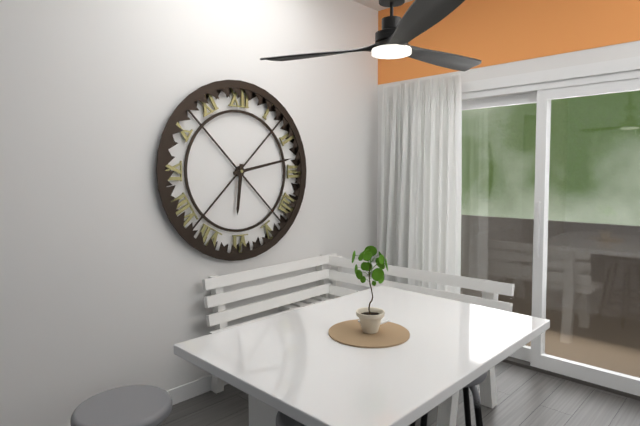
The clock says 6 h 13 min
